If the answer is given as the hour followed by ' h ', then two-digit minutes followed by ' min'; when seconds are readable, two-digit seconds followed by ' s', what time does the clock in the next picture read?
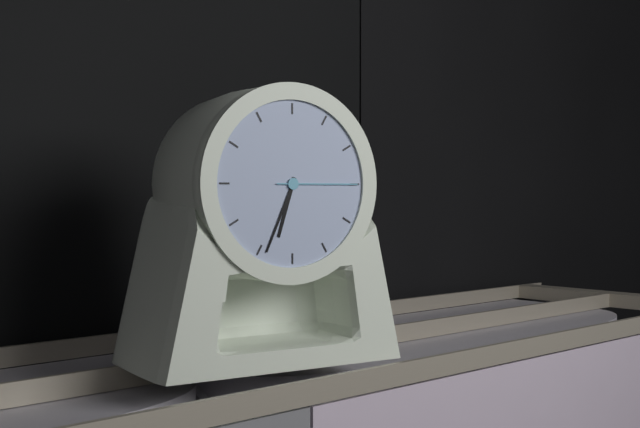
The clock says 6 h 34 min 15 s
